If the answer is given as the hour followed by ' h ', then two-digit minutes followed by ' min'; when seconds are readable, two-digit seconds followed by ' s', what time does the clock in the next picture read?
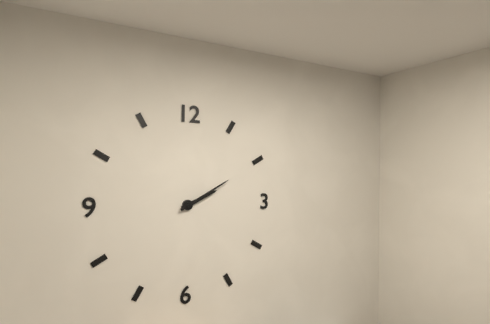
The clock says 2 h 10 min
